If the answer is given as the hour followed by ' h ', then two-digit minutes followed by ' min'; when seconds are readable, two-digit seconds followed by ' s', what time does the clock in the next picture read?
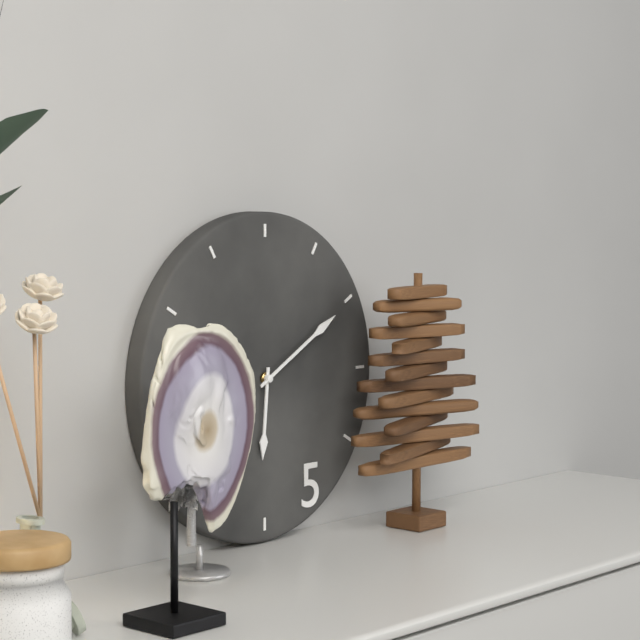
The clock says 6 h 10 min
